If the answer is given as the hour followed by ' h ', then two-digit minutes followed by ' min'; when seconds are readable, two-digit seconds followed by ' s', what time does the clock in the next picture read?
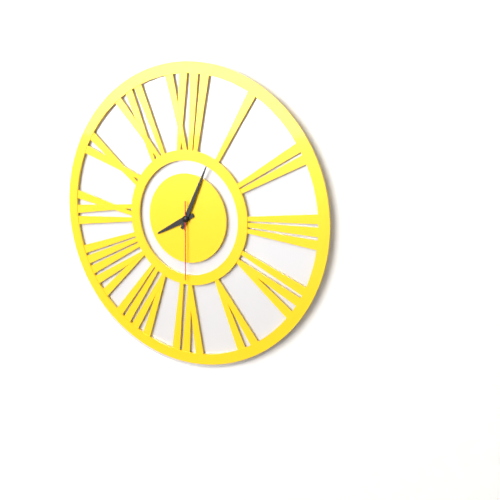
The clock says 8 h 04 min 30 s
